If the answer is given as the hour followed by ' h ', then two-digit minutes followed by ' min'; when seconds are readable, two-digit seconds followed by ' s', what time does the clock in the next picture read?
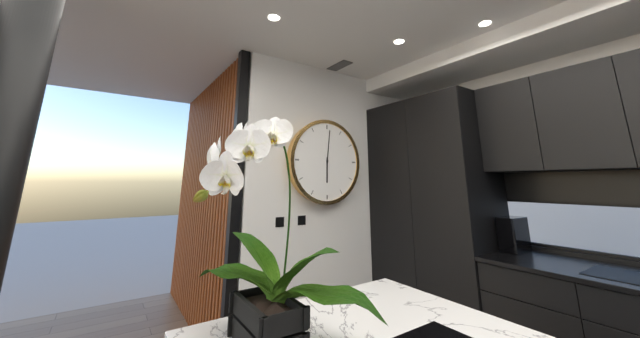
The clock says 6 h 01 min
